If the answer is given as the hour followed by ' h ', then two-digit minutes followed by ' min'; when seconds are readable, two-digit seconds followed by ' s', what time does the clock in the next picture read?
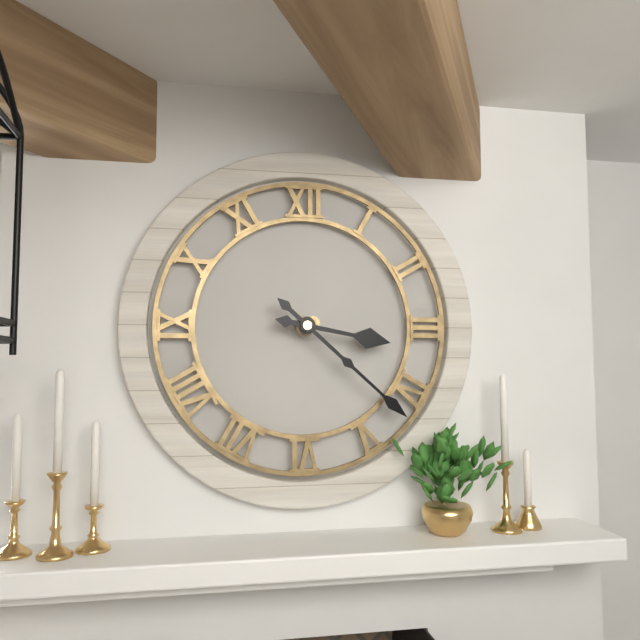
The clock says 3 h 22 min
